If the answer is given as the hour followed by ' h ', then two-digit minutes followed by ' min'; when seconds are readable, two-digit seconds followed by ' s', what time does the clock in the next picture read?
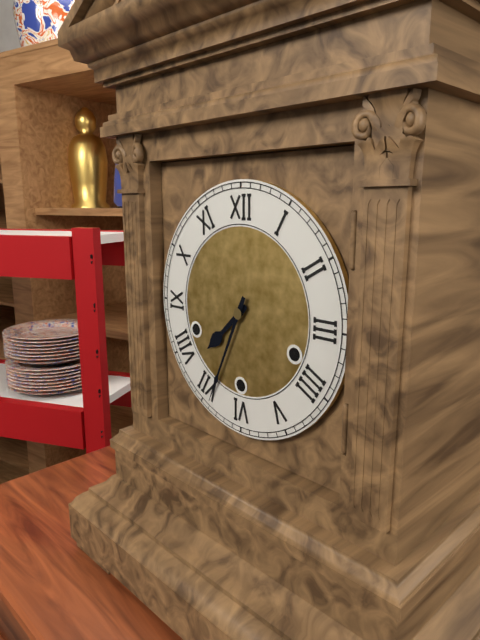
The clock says 7 h 34 min
